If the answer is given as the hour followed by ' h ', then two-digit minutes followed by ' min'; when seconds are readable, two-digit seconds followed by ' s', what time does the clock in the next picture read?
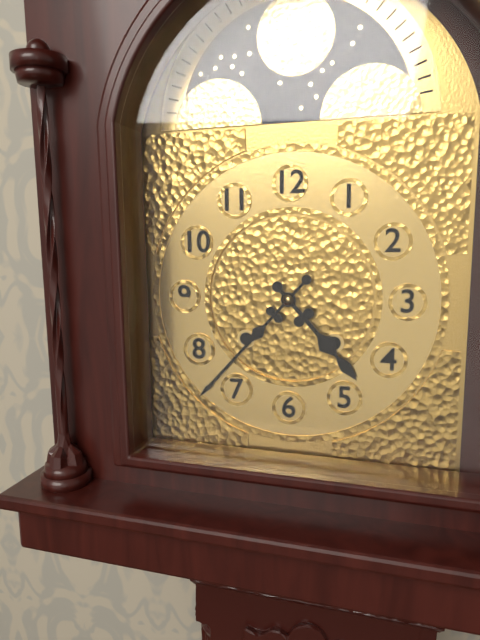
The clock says 4 h 37 min
